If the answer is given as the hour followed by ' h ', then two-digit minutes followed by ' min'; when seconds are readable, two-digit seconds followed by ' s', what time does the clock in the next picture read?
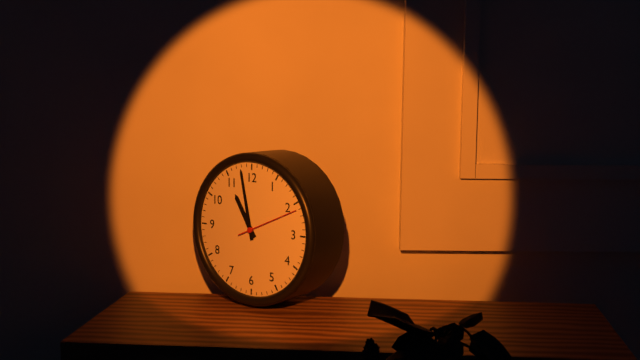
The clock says 10 h 58 min 11 s
